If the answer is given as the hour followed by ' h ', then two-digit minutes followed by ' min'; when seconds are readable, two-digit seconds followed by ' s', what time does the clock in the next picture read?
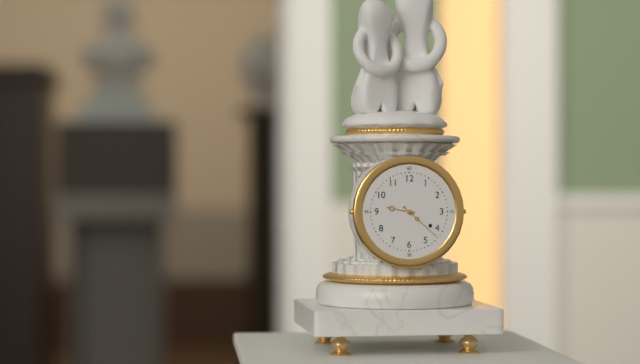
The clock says 9 h 22 min
